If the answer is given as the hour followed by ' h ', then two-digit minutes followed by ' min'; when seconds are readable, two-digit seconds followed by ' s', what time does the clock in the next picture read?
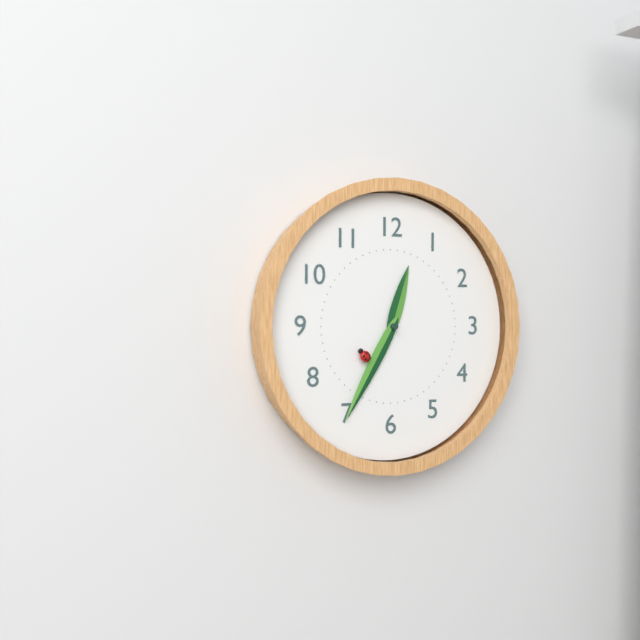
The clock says 12 h 35 min 38 s
